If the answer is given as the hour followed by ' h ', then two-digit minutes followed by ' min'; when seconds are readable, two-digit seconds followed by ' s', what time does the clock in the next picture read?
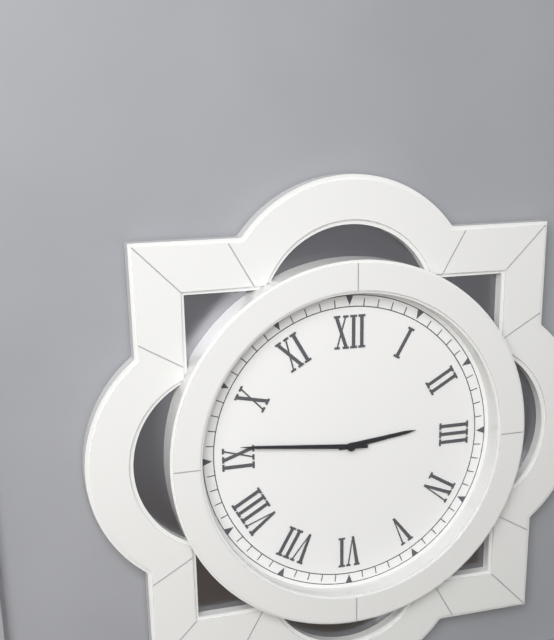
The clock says 2 h 46 min
